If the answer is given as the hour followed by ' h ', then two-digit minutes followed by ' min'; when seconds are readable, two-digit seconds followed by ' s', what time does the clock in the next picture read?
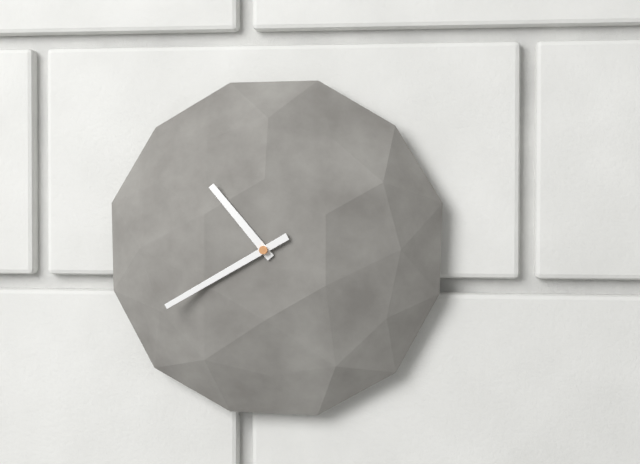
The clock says 10 h 40 min
